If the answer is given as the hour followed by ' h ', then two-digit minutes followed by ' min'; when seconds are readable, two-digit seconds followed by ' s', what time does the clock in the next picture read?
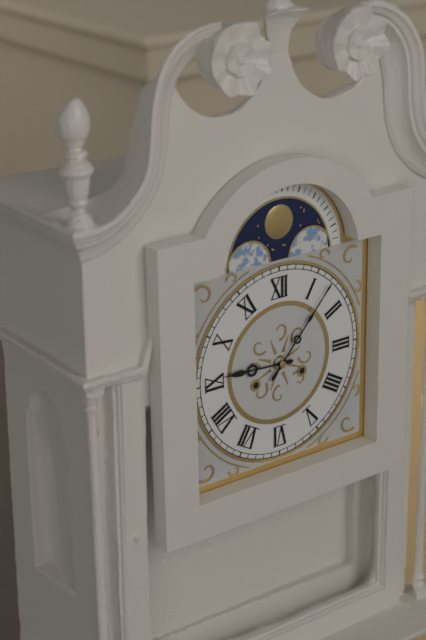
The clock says 9 h 07 min
